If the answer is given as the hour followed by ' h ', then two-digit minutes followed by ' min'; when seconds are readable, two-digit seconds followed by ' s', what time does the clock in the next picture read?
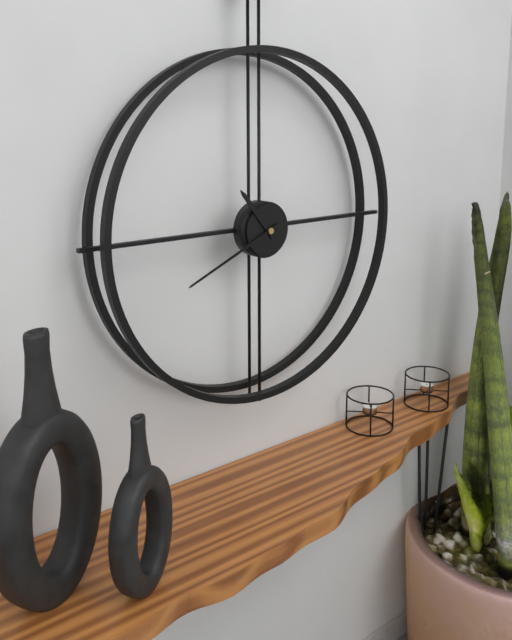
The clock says 10 h 41 min
